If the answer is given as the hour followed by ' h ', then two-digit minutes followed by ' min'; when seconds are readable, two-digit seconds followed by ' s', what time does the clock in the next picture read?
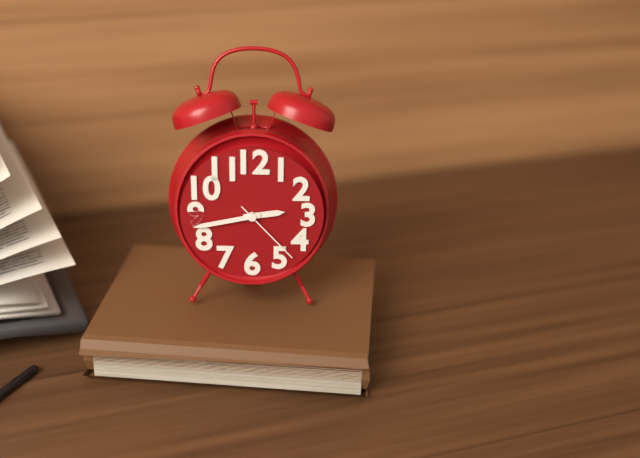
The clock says 2 h 43 min 23 s
